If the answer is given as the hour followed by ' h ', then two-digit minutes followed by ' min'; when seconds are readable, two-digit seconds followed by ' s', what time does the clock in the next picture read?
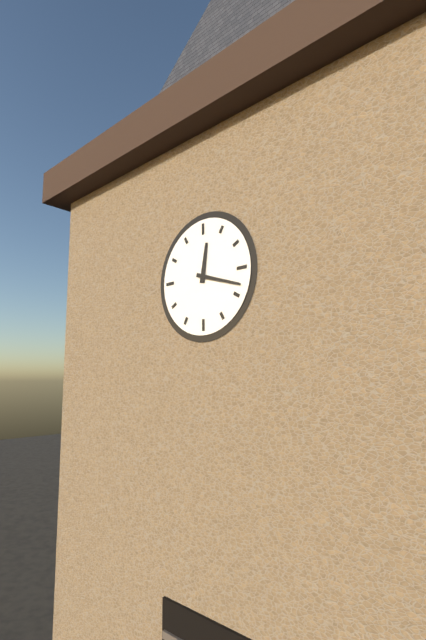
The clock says 12 h 18 min
